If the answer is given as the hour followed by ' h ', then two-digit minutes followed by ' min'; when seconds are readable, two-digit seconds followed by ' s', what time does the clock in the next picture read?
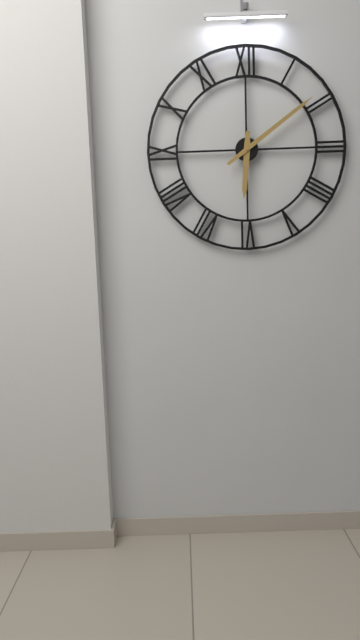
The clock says 6 h 09 min
